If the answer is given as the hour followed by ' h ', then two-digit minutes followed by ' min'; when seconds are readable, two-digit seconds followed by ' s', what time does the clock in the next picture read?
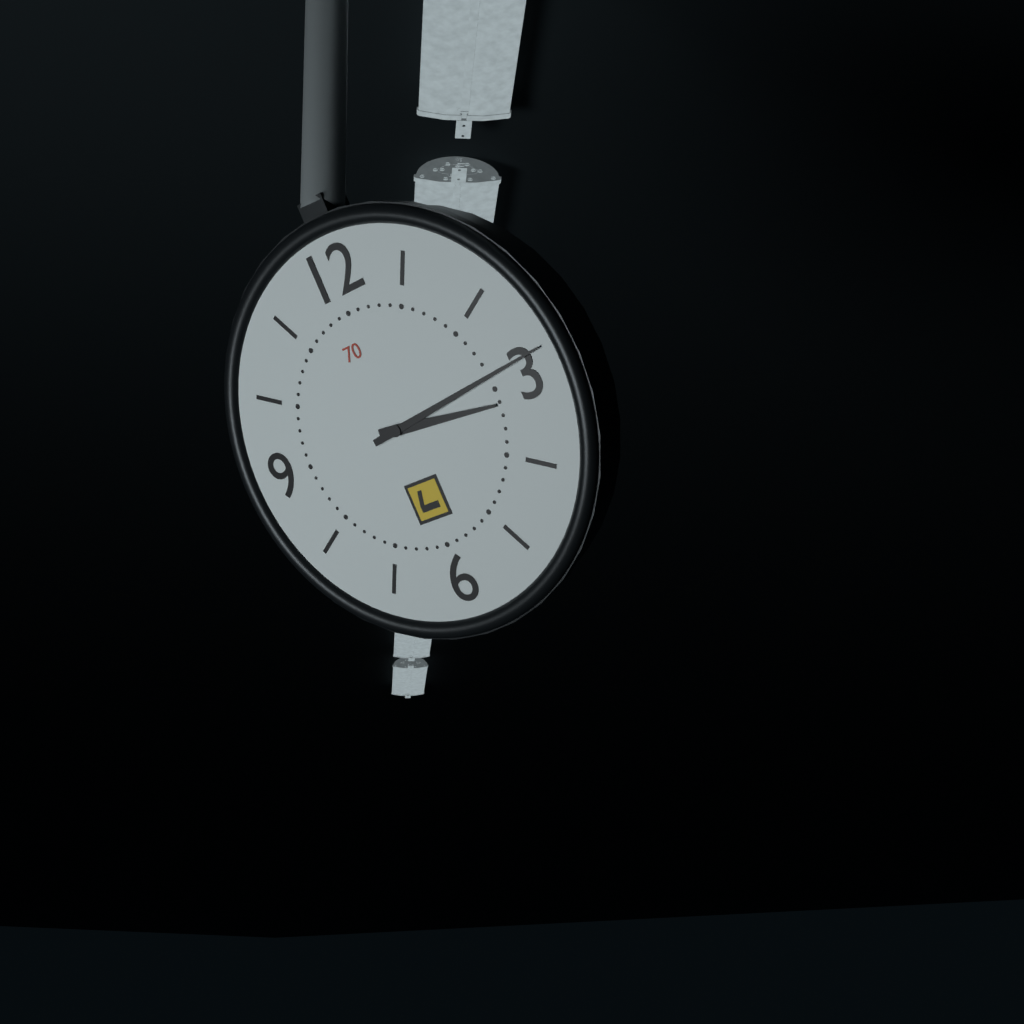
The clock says 3 h 14 min
